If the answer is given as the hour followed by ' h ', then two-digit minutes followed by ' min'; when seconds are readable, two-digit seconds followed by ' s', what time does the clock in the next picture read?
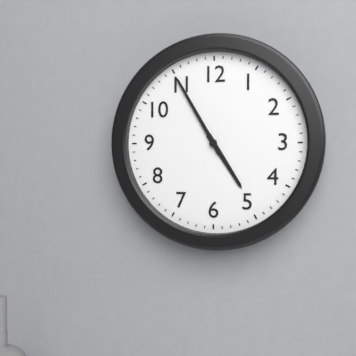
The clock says 4 h 55 min
